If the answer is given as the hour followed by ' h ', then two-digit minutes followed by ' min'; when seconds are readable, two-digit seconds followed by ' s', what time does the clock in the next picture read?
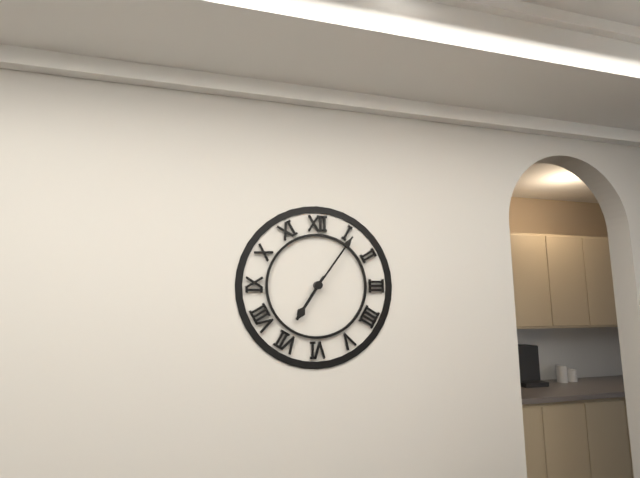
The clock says 7 h 06 min
